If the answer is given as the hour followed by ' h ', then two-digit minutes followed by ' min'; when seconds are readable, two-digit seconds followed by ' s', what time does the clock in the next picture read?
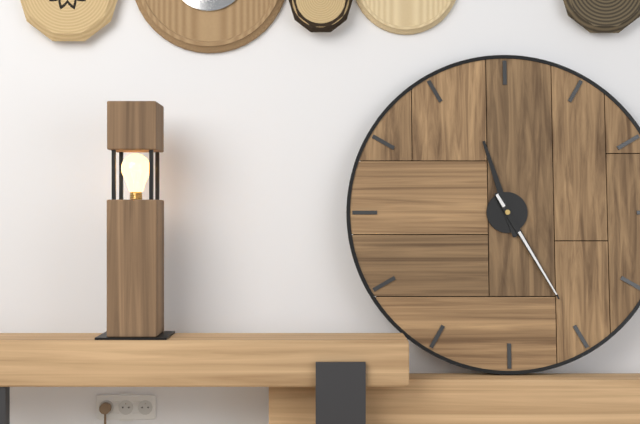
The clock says 11 h 25 min
